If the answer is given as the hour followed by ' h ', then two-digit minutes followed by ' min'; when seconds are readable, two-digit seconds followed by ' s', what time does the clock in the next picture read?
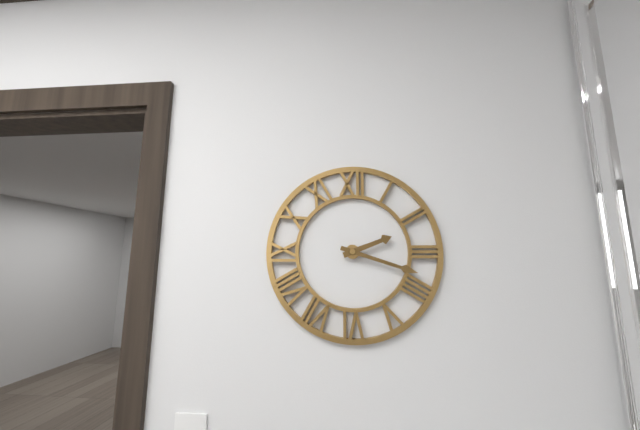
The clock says 2 h 18 min
